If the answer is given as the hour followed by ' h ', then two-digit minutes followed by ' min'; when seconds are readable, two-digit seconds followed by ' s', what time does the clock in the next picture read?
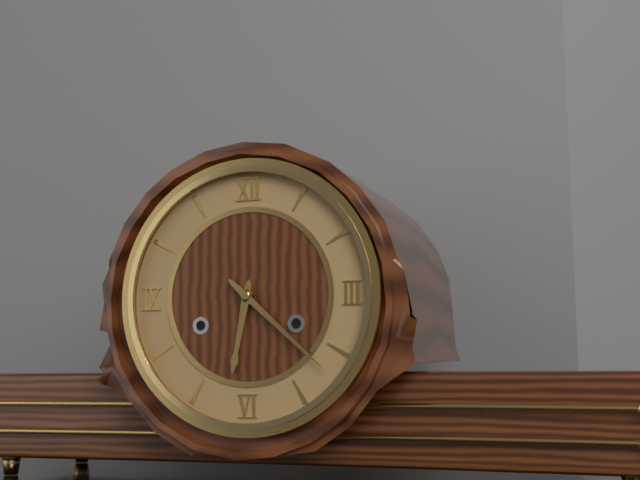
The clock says 6 h 22 min
